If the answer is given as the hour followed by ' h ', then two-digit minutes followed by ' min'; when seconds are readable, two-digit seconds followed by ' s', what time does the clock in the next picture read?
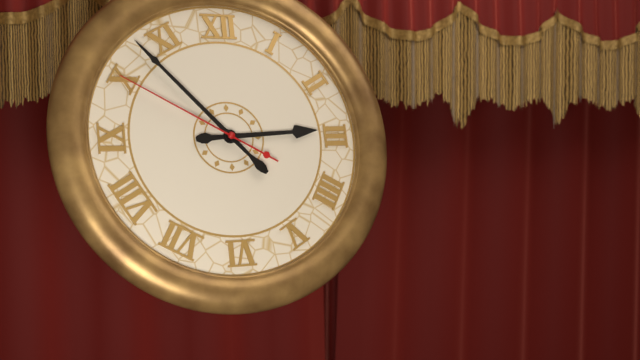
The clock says 2 h 53 min 50 s
